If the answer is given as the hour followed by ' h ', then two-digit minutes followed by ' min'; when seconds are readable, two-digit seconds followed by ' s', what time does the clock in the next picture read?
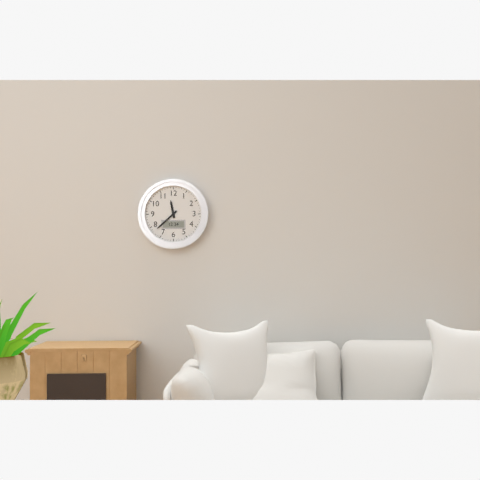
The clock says 11 h 38 min
